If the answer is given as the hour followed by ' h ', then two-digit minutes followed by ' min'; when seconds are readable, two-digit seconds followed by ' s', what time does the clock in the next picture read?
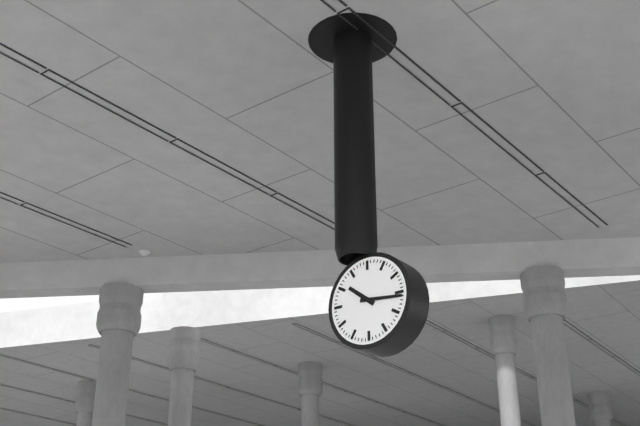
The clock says 10 h 16 min
